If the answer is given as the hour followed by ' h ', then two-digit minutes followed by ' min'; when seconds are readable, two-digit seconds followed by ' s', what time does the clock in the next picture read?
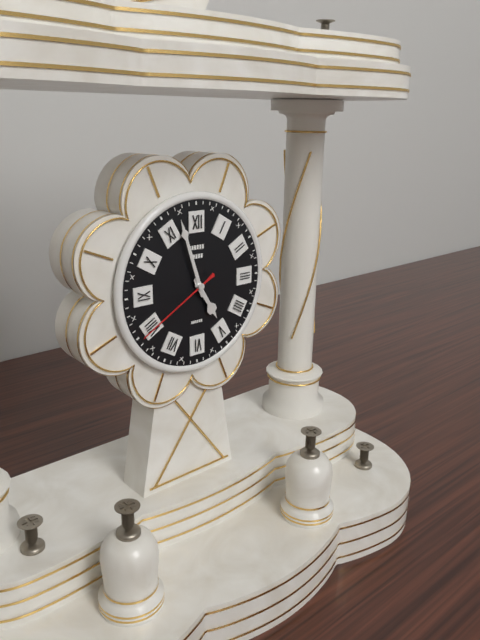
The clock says 4 h 57 min 40 s
